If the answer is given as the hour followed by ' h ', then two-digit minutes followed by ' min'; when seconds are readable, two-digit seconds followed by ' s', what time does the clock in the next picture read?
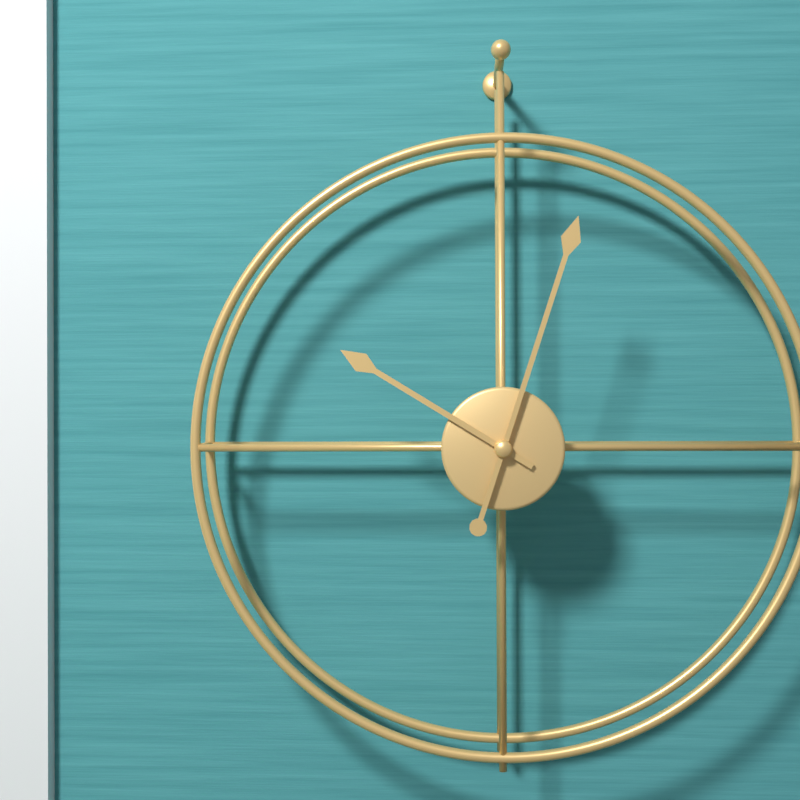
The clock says 10 h 03 min
